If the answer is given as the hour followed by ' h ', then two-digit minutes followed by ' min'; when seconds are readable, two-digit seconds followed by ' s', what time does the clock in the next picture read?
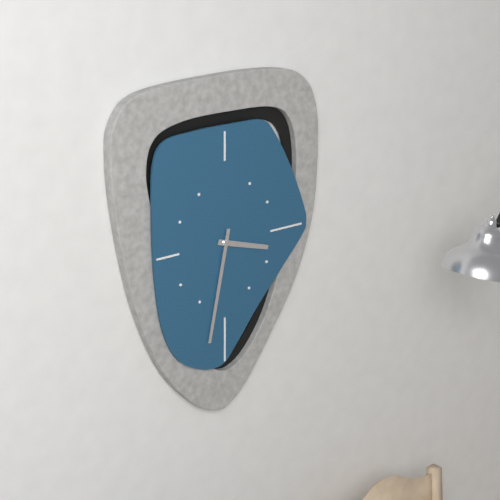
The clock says 3 h 32 min
